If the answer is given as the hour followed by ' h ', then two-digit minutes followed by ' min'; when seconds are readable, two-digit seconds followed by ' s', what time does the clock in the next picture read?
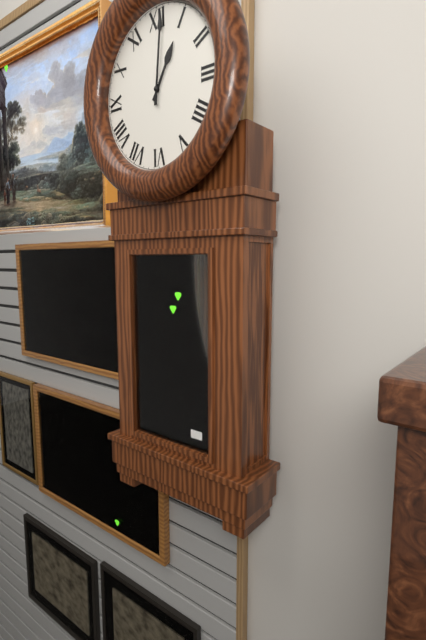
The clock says 1 h 01 min
